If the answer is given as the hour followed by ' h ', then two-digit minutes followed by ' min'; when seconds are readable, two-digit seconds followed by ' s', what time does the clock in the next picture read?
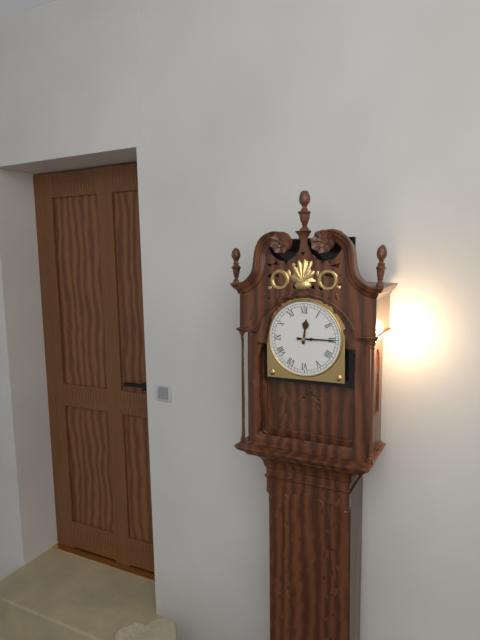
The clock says 12 h 15 min
